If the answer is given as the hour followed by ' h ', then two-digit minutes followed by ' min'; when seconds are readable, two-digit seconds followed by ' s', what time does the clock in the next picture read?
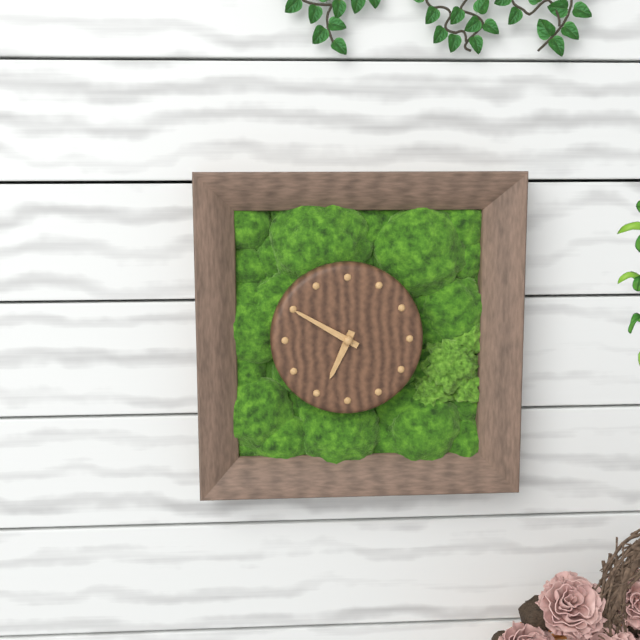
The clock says 6 h 50 min
